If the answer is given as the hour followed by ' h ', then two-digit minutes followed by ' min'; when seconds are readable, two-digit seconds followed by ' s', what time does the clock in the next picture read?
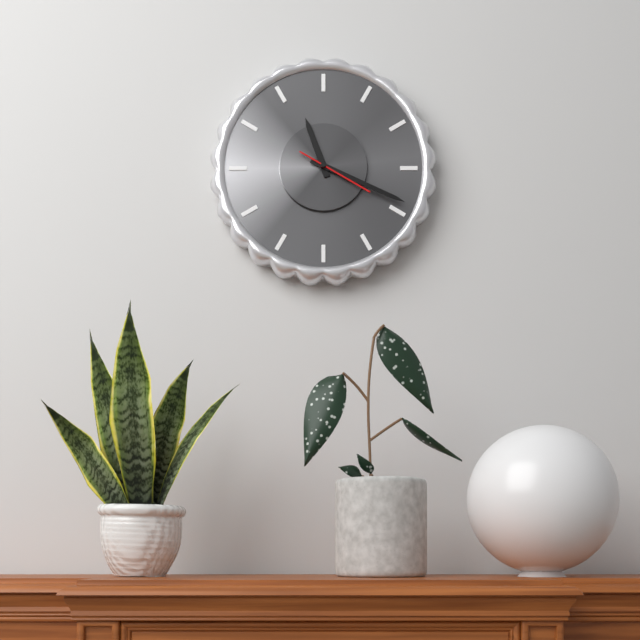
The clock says 11 h 19 min 20 s
